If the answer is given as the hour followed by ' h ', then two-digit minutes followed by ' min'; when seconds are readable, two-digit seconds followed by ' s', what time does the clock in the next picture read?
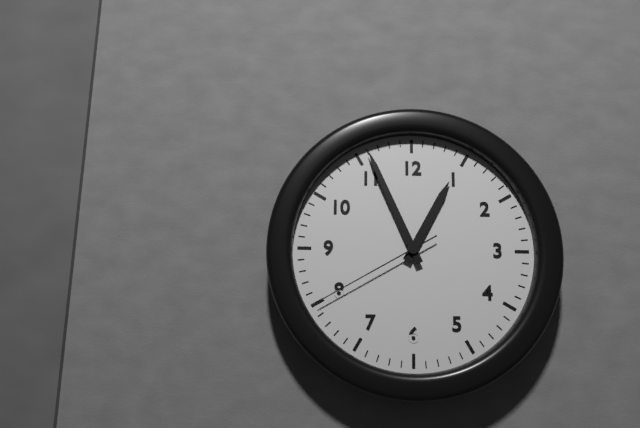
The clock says 12 h 56 min 40 s
